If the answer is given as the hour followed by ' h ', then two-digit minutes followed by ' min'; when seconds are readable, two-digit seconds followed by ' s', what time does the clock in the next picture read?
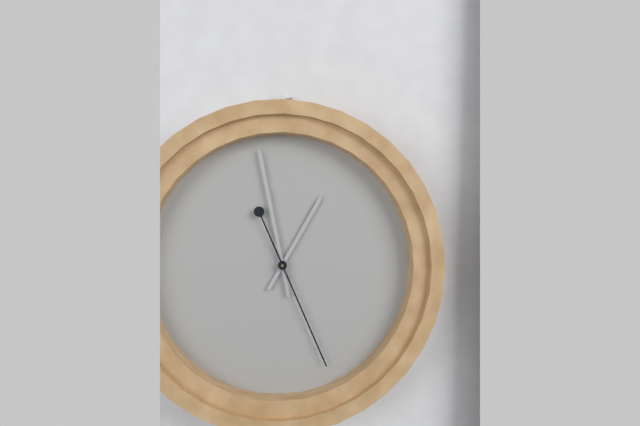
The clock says 12 h 58 min 26 s
